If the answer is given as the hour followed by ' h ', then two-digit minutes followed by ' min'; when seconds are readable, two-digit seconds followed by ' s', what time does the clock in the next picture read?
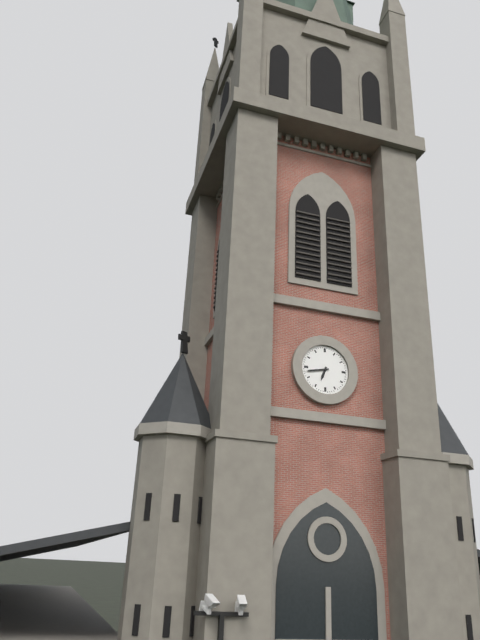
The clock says 6 h 43 min
